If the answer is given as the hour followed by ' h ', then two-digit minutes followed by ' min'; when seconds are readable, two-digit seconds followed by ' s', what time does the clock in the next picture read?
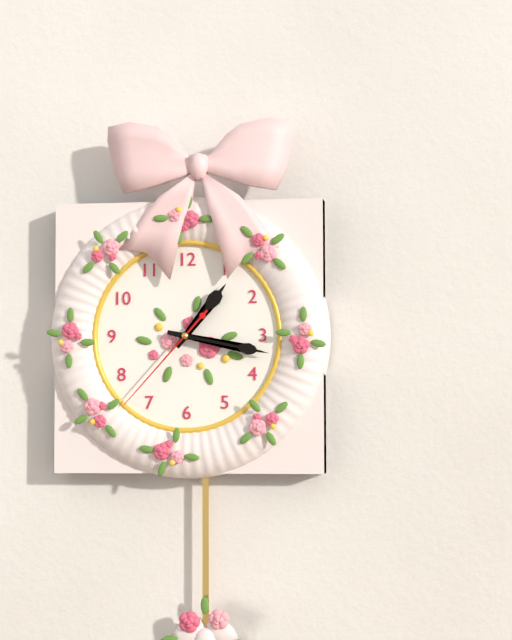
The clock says 1 h 17 min 37 s
